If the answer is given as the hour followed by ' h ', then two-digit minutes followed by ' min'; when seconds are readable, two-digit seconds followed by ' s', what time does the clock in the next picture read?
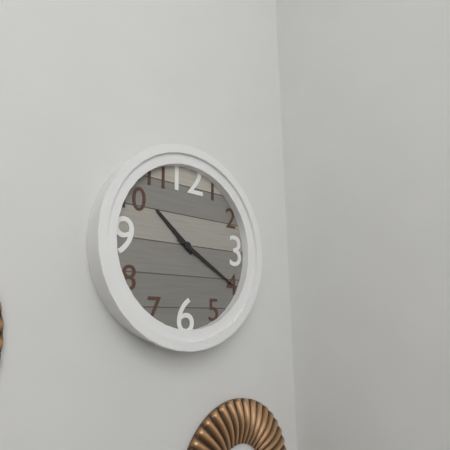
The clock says 10 h 20 min
